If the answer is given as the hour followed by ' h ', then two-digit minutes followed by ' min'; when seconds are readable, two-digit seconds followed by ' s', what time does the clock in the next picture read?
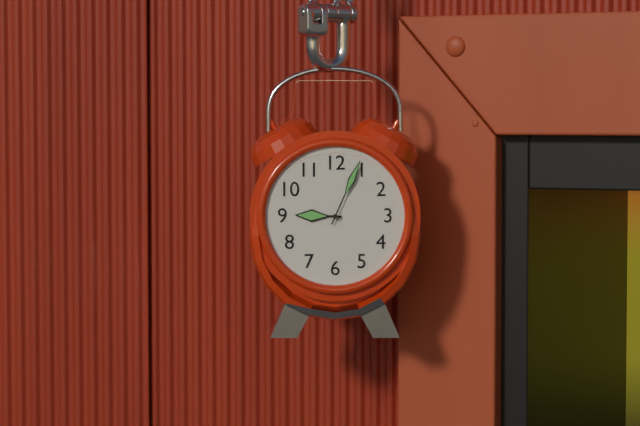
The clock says 9 h 04 min
